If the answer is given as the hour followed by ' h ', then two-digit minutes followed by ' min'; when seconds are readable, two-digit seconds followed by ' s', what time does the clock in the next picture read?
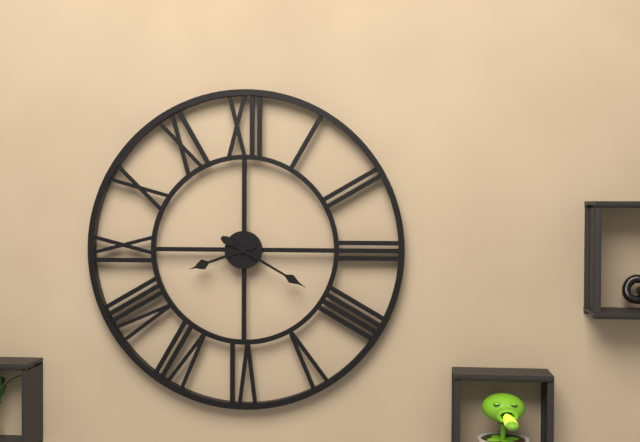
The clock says 8 h 20 min
